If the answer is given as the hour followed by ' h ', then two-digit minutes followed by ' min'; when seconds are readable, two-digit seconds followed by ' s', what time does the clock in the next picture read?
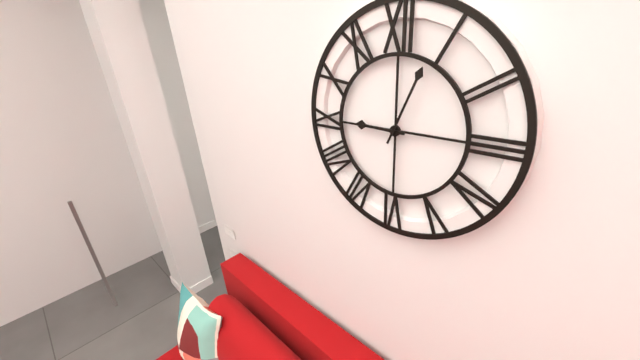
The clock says 9 h 04 min
